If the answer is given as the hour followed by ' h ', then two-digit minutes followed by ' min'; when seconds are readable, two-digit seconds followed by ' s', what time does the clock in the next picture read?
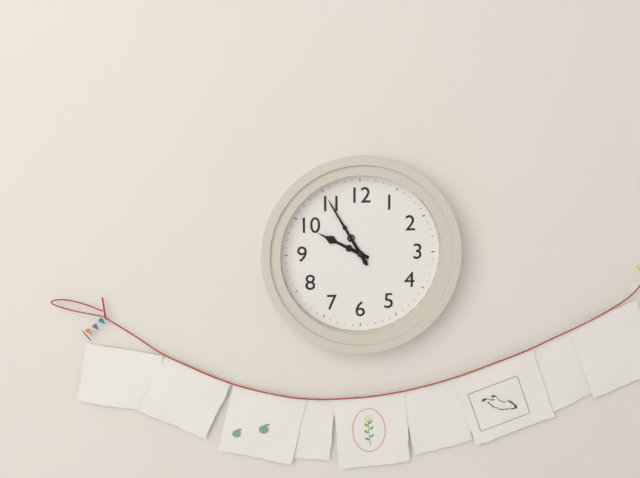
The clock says 9 h 55 min
